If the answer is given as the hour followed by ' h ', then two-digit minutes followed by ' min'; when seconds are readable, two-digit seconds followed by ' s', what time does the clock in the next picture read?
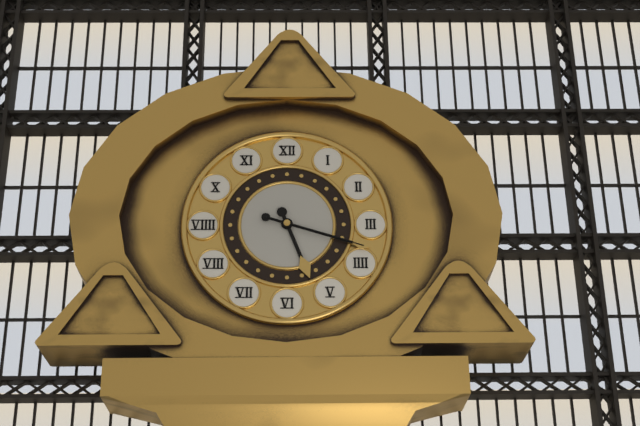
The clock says 5 h 18 min 18 s
